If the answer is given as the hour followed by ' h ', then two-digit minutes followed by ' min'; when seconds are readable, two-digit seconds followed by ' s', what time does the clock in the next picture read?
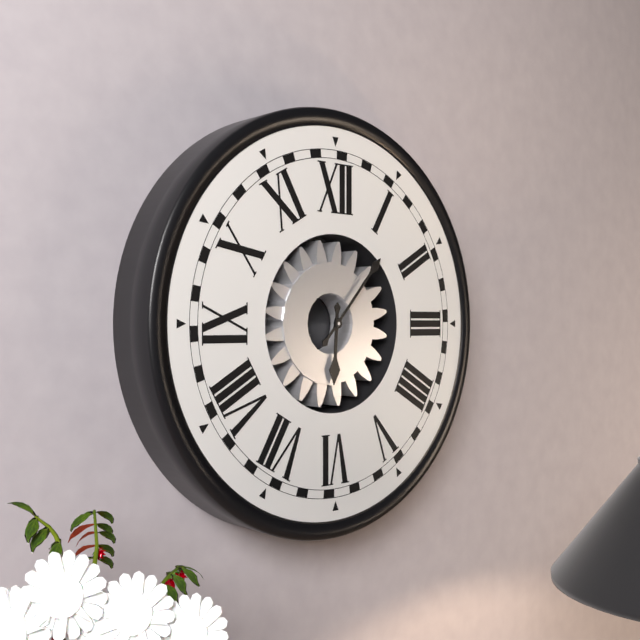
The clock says 6 h 07 min
